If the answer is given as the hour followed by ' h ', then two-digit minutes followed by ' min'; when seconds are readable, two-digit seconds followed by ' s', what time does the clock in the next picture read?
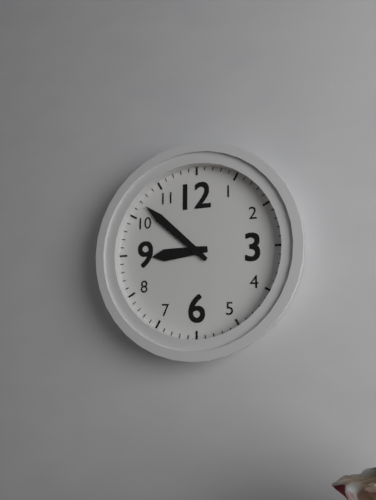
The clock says 8 h 52 min
